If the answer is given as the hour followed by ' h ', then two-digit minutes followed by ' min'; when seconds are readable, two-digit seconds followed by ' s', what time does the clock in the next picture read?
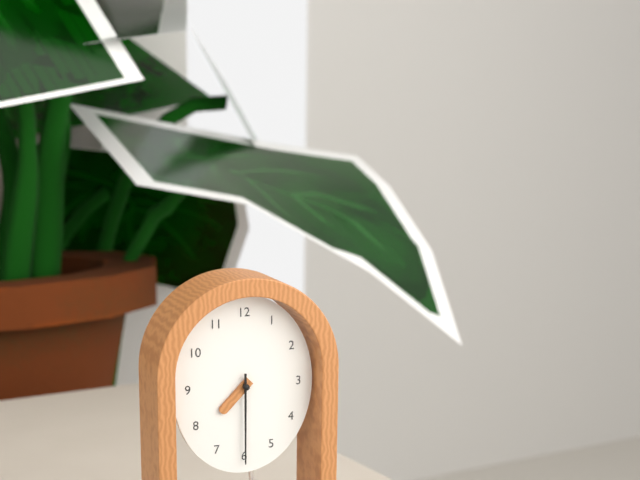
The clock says 7 h 30 min
